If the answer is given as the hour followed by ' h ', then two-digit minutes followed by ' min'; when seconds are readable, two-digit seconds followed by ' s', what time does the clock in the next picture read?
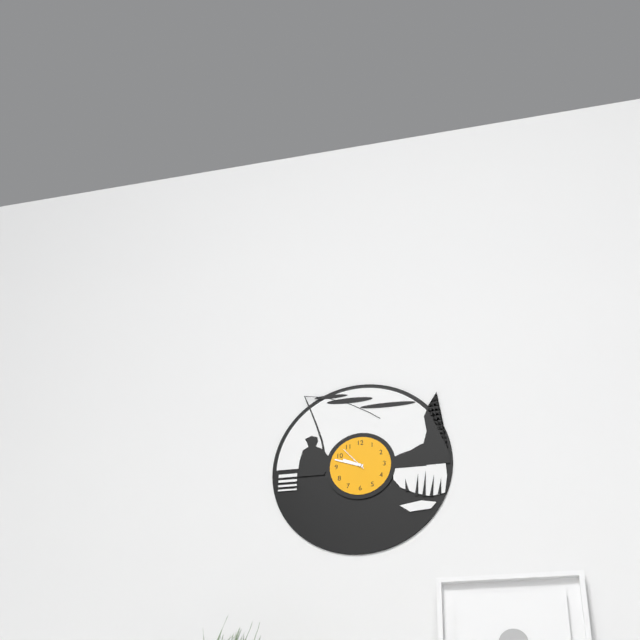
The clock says 9 h 48 min
